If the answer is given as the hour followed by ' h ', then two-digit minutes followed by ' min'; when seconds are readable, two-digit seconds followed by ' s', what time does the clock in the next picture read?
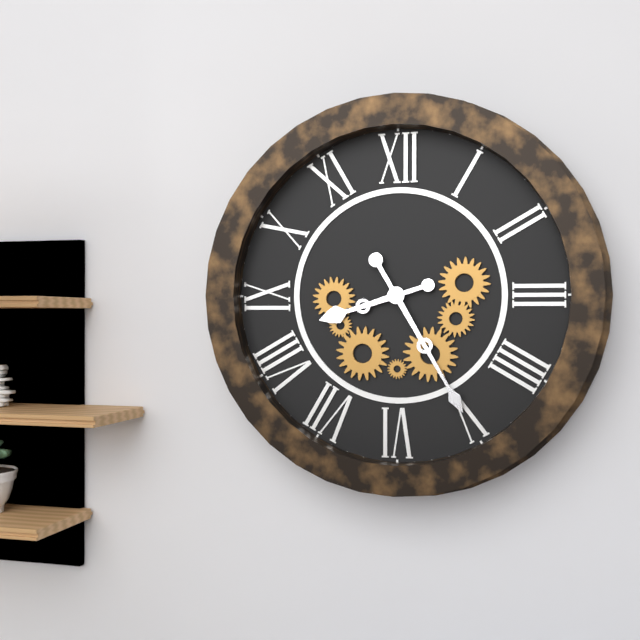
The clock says 8 h 25 min
